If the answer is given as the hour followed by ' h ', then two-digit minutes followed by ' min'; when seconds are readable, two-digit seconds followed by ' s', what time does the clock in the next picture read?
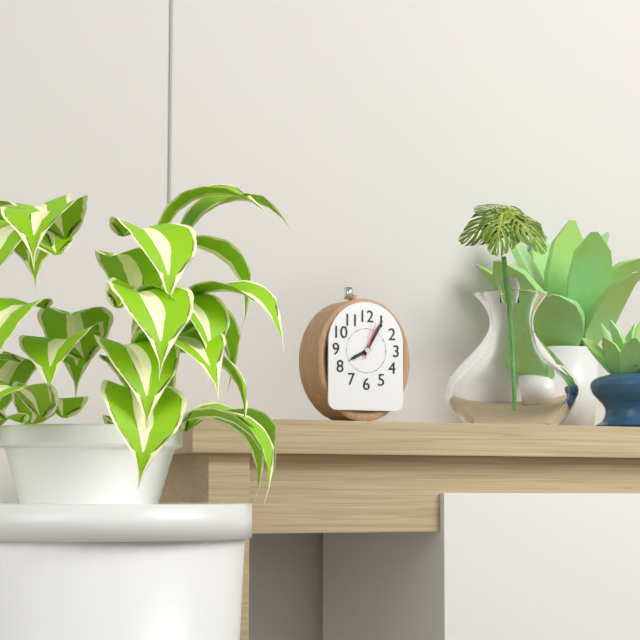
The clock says 8 h 05 min
